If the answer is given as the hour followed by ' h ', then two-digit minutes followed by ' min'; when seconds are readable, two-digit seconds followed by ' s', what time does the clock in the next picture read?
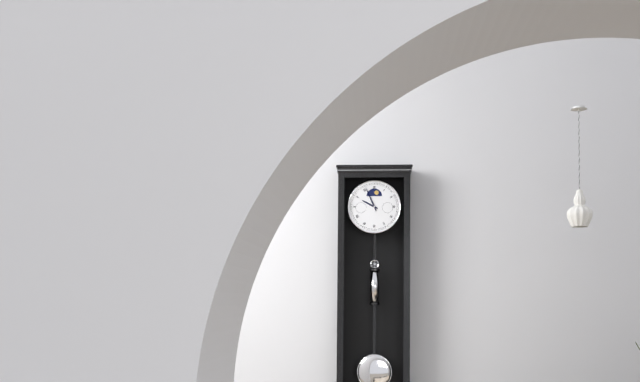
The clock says 9 h 56 min
